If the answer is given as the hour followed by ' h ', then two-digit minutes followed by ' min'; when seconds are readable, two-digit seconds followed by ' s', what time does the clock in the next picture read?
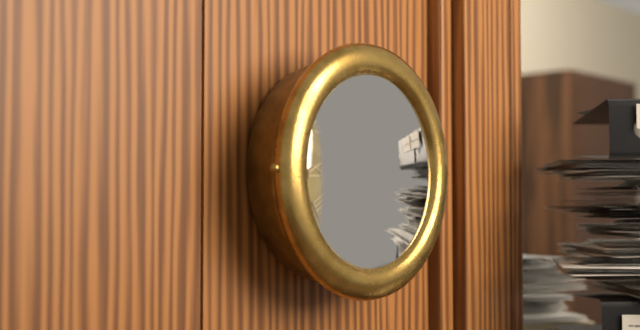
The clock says 6 h 49 min
